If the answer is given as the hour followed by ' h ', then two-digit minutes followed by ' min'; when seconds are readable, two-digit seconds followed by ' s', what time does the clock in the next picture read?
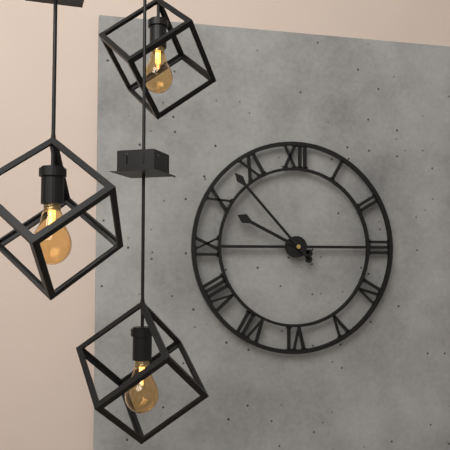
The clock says 9 h 53 min
